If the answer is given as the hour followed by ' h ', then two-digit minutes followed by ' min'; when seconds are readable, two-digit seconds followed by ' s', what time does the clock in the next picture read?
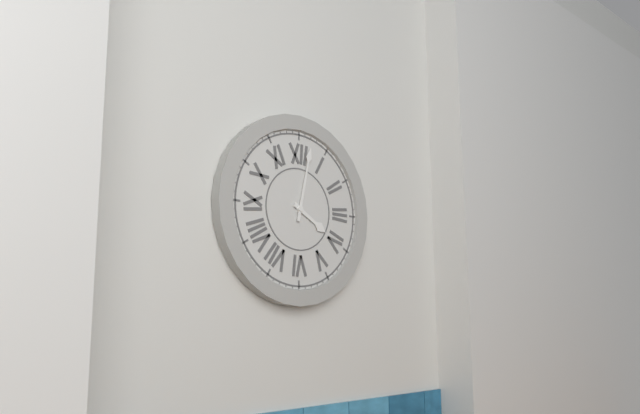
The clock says 4 h 02 min
